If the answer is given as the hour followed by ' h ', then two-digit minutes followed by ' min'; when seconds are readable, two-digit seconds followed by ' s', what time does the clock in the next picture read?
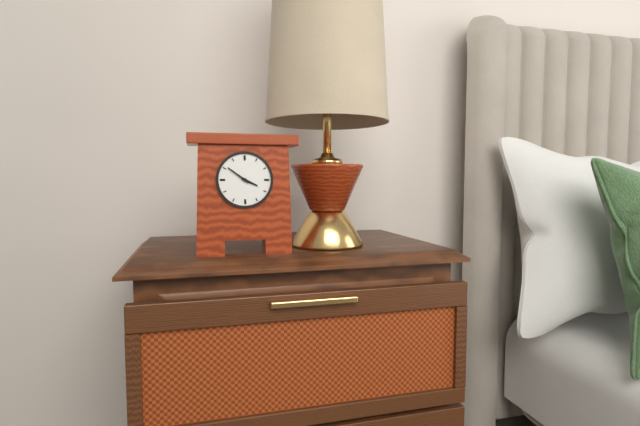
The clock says 3 h 51 min
